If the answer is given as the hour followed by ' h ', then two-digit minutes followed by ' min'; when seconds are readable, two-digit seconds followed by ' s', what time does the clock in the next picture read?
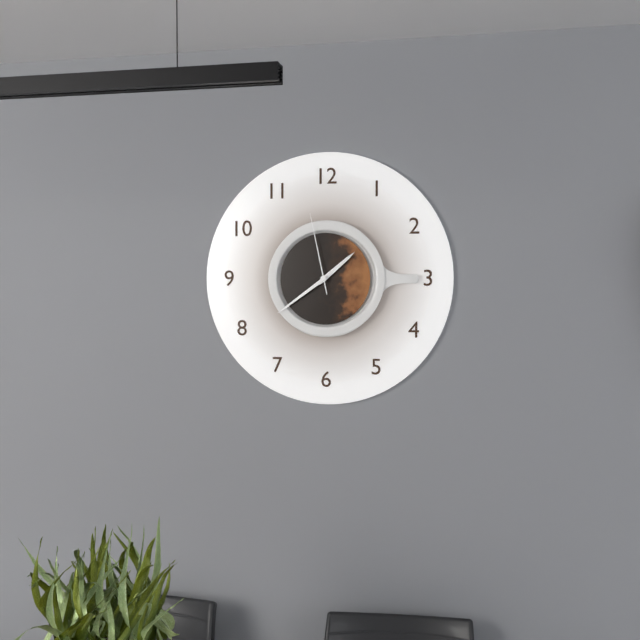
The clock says 1 h 39 min 58 s
